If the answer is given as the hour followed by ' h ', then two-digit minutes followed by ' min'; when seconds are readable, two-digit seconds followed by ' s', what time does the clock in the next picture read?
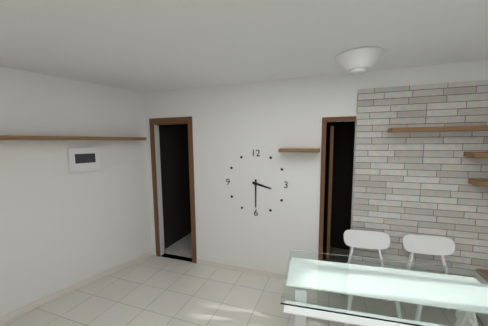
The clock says 3 h 30 min
